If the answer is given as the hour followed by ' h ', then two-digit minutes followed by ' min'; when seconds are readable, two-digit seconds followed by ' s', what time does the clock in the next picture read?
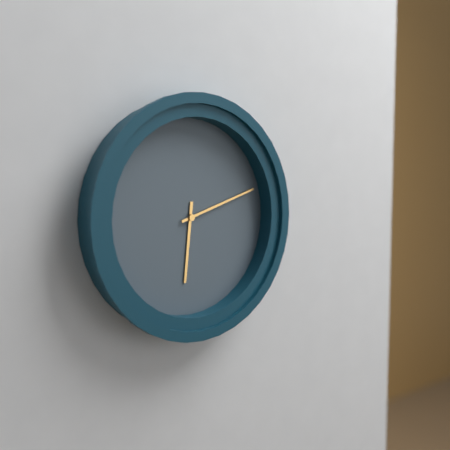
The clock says 6 h 12 min
